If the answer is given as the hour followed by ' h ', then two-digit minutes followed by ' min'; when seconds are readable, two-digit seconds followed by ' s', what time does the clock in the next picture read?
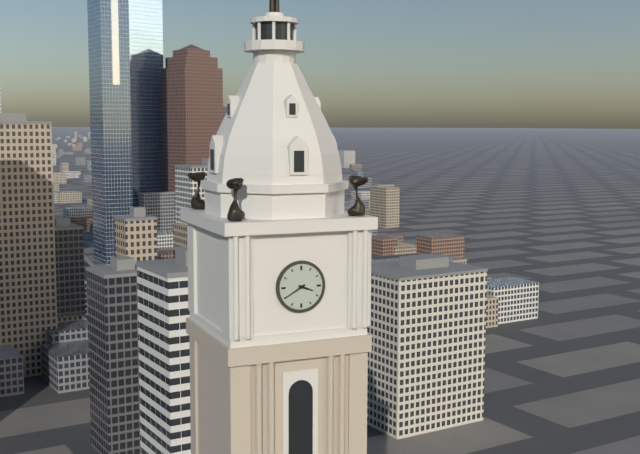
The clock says 3 h 40 min
